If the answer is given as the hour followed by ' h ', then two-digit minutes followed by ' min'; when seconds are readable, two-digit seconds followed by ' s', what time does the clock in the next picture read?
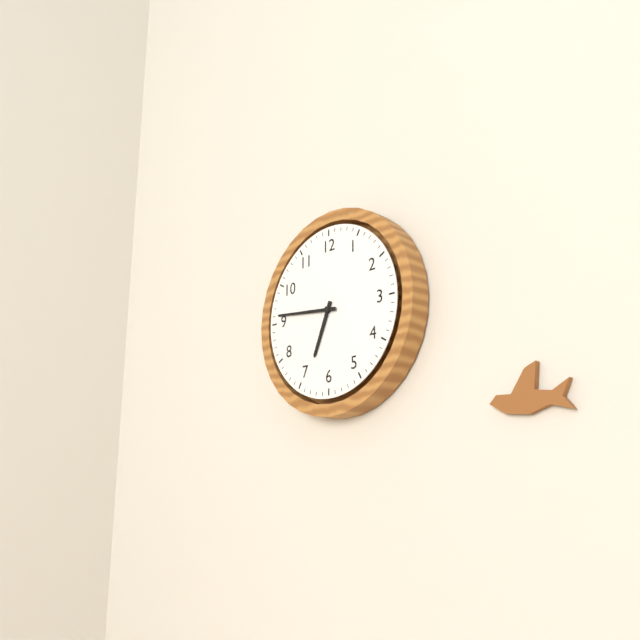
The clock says 6 h 46 min
